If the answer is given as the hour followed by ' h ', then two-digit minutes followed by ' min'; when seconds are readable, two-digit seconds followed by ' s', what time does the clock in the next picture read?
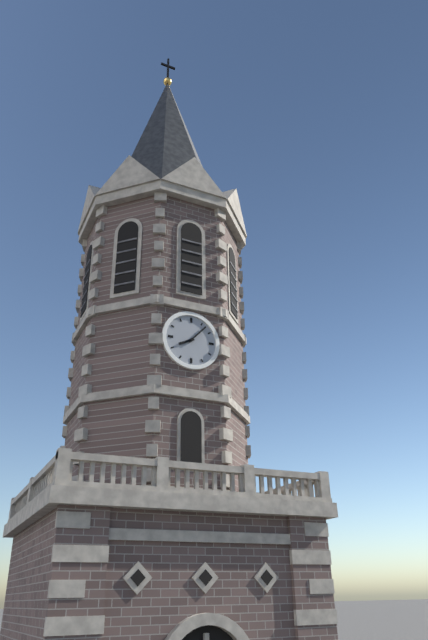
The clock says 8 h 07 min
